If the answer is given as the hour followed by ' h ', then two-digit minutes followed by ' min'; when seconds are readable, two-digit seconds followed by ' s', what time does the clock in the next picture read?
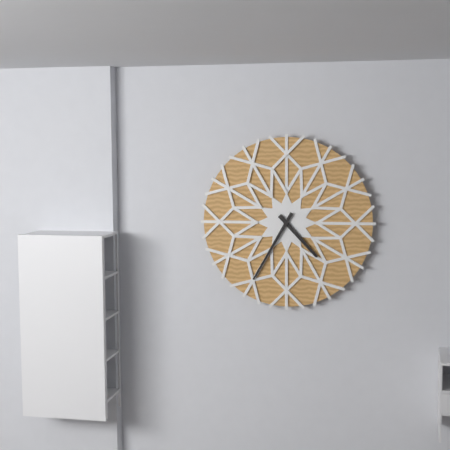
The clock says 4 h 35 min
